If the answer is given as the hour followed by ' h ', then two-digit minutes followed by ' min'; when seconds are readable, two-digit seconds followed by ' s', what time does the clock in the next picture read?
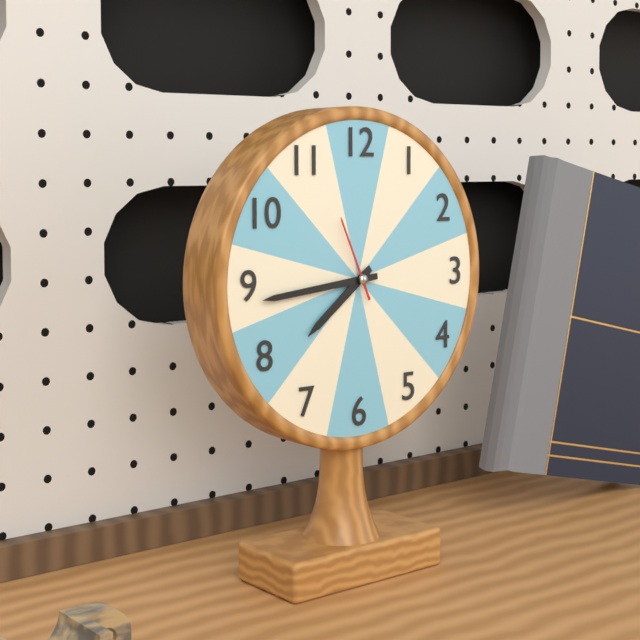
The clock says 7 h 44 min 56 s
